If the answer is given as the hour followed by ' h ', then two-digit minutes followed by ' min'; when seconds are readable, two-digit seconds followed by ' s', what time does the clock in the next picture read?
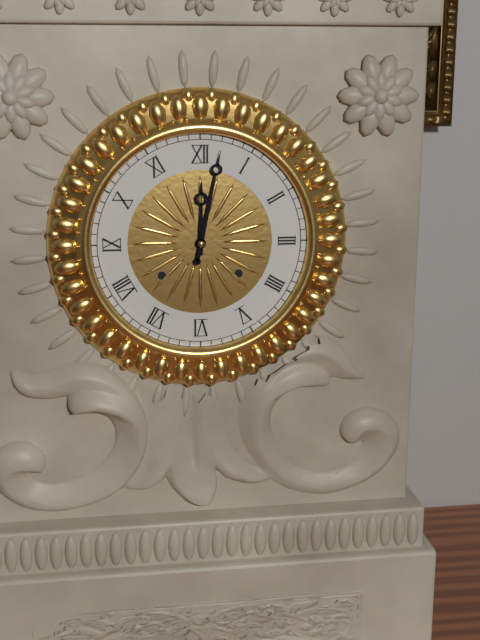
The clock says 12 h 02 min
